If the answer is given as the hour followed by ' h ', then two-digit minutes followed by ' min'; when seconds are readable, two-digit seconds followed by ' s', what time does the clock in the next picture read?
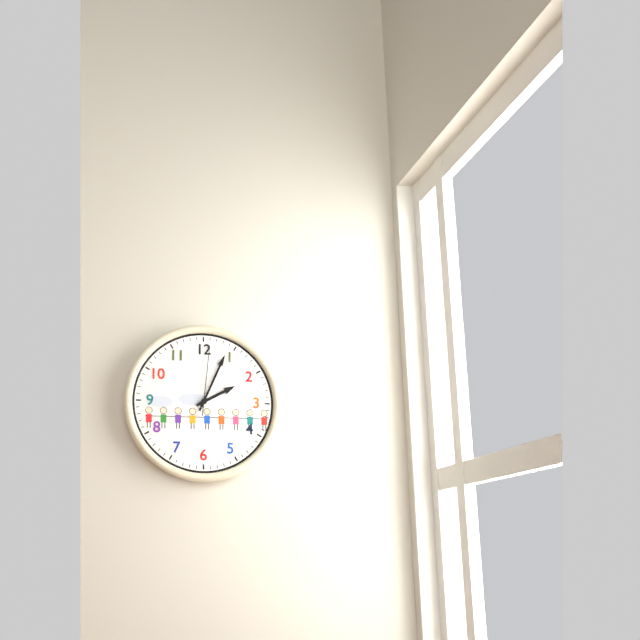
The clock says 2 h 04 min 01 s
